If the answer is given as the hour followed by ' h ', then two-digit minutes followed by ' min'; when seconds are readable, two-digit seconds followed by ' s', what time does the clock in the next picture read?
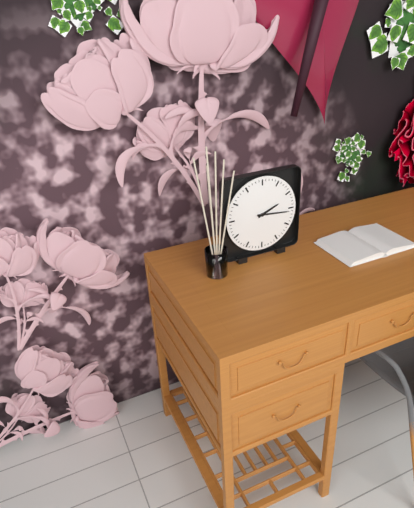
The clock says 2 h 16 min
